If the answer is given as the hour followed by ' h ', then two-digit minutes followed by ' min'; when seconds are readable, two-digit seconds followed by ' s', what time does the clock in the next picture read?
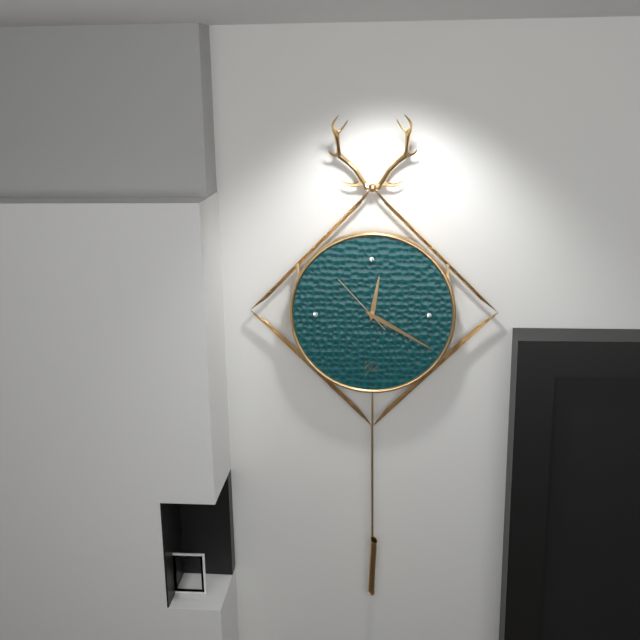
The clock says 12 h 20 min 53 s
